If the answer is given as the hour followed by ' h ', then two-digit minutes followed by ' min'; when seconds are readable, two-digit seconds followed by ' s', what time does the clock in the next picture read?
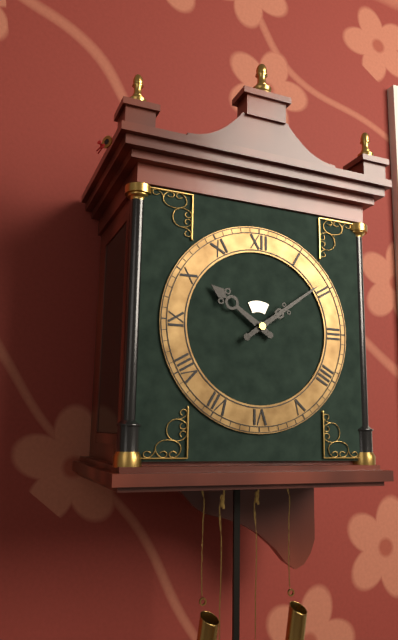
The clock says 10 h 09 min
